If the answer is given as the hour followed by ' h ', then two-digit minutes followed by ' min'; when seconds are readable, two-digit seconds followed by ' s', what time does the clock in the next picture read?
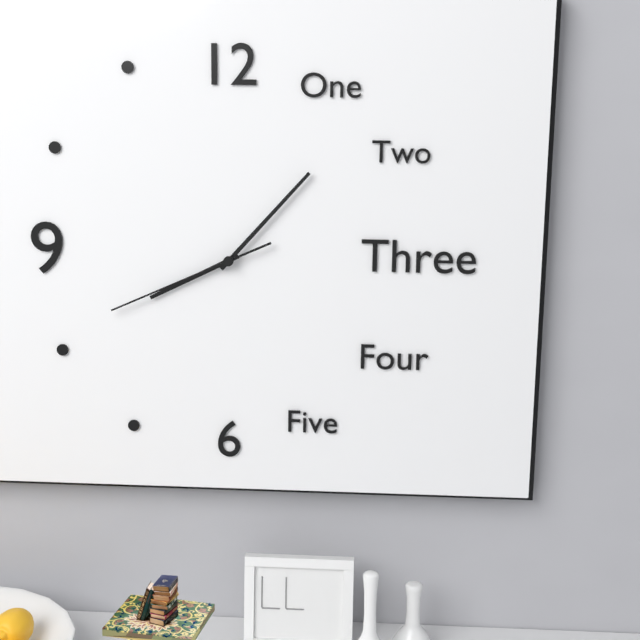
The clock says 8 h 07 min 41 s
